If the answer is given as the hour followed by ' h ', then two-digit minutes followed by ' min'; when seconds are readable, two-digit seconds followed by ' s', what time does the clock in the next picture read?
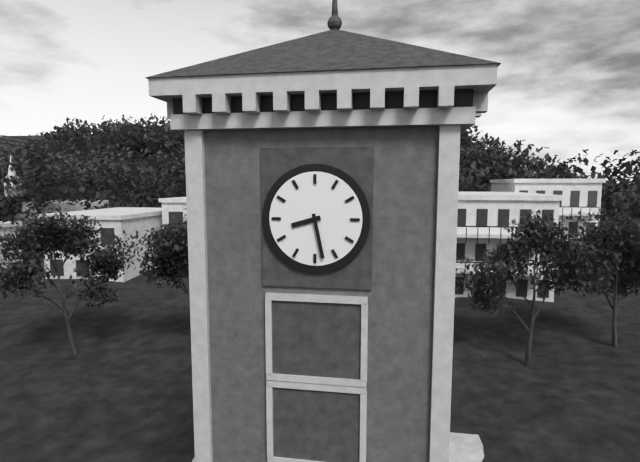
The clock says 8 h 28 min
